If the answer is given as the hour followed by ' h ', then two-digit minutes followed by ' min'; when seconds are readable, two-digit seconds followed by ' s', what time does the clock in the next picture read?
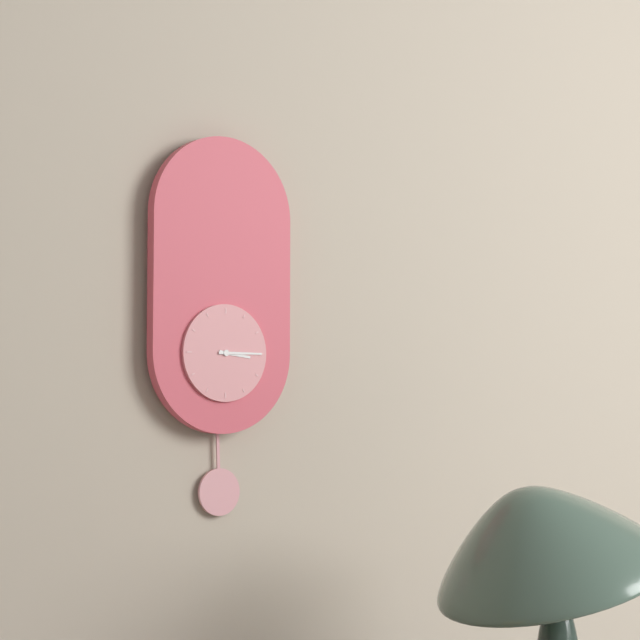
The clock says 3 h 15 min
